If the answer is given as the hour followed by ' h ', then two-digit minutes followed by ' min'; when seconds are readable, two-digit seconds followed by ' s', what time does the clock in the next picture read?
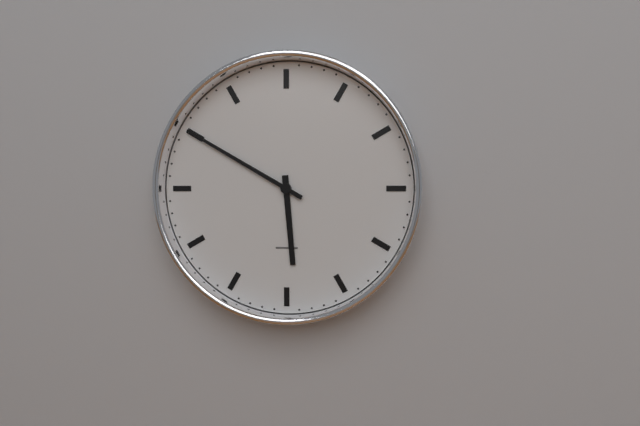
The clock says 5 h 50 min
